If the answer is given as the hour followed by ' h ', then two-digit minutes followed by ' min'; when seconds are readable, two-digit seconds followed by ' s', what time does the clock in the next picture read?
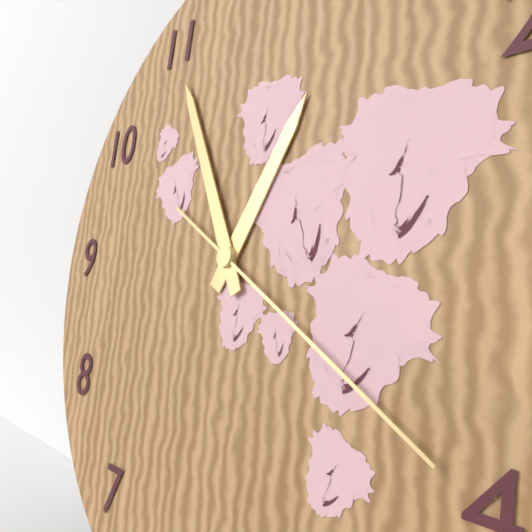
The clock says 12 h 55 min 20 s
